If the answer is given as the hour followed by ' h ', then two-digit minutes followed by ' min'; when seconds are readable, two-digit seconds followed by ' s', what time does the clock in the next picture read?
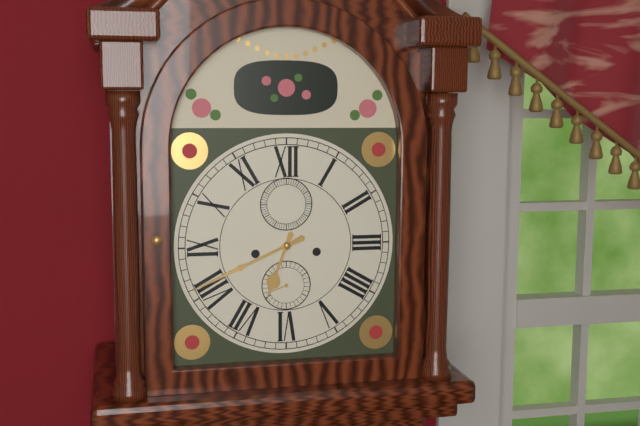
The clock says 6 h 41 min
